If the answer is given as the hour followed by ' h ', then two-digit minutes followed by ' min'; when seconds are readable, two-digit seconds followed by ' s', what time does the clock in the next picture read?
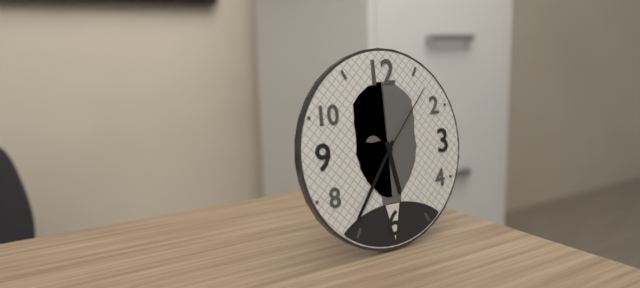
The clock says 5 h 36 min 07 s
